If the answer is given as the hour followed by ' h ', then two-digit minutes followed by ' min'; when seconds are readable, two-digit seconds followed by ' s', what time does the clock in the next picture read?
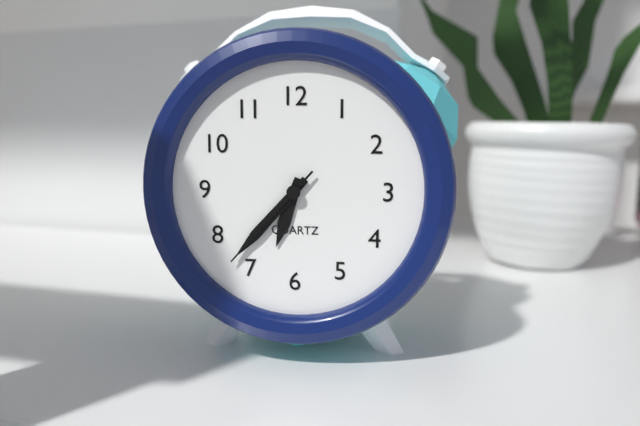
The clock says 6 h 37 min 37 s
